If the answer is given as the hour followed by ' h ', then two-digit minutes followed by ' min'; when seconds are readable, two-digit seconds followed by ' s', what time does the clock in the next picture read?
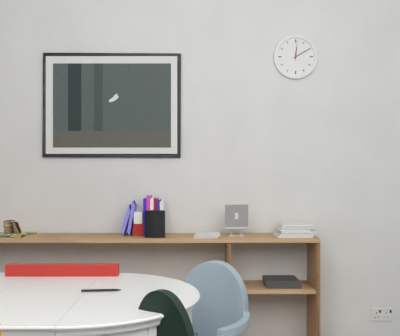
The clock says 12 h 10 min
